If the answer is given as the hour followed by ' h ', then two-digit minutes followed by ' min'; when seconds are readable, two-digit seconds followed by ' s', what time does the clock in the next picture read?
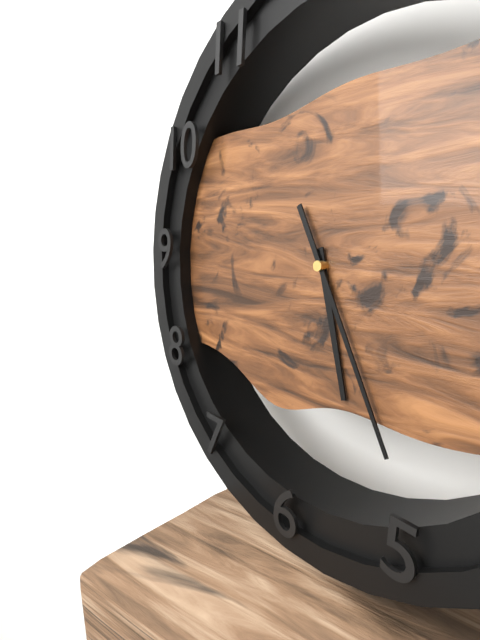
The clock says 5 h 25 min
